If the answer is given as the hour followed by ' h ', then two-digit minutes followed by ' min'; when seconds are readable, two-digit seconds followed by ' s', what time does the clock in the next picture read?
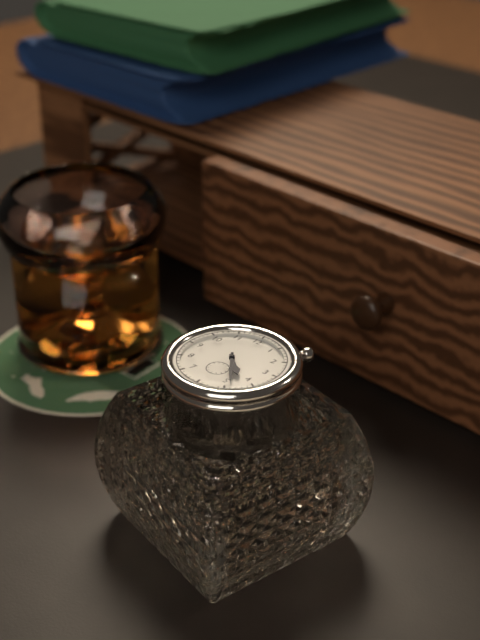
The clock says 4 h 24 min
